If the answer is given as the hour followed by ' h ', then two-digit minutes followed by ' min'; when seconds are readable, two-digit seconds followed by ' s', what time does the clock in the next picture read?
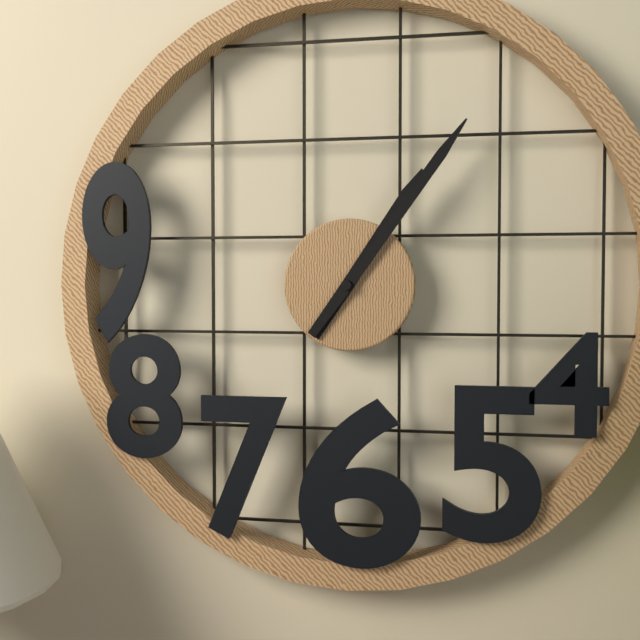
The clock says 1 h 06 min
